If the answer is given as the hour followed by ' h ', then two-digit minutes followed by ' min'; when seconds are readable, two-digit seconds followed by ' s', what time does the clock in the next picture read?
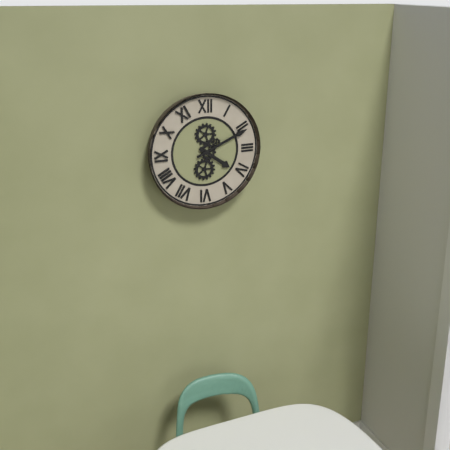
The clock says 4 h 11 min
